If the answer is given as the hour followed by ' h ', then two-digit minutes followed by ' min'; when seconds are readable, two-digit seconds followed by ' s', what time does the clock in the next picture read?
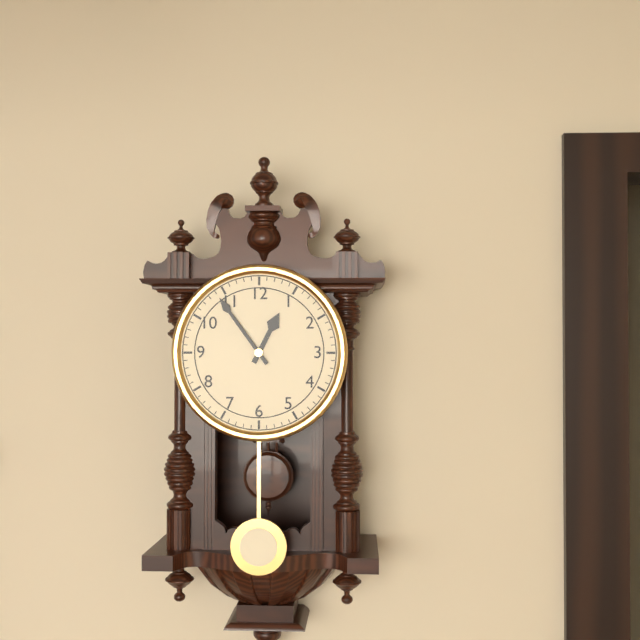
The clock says 12 h 54 min
